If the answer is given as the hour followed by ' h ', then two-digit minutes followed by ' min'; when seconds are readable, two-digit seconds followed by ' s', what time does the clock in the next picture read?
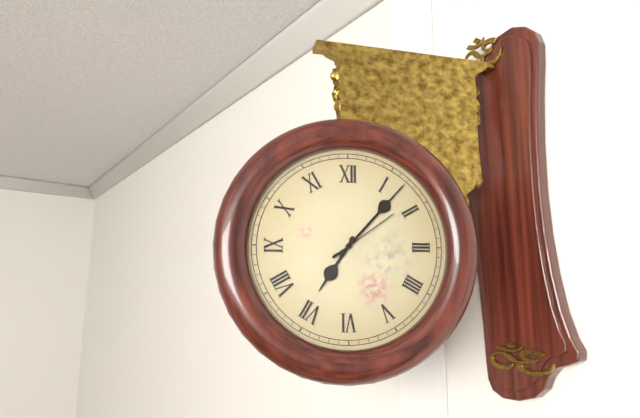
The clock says 7 h 07 min 09 s
